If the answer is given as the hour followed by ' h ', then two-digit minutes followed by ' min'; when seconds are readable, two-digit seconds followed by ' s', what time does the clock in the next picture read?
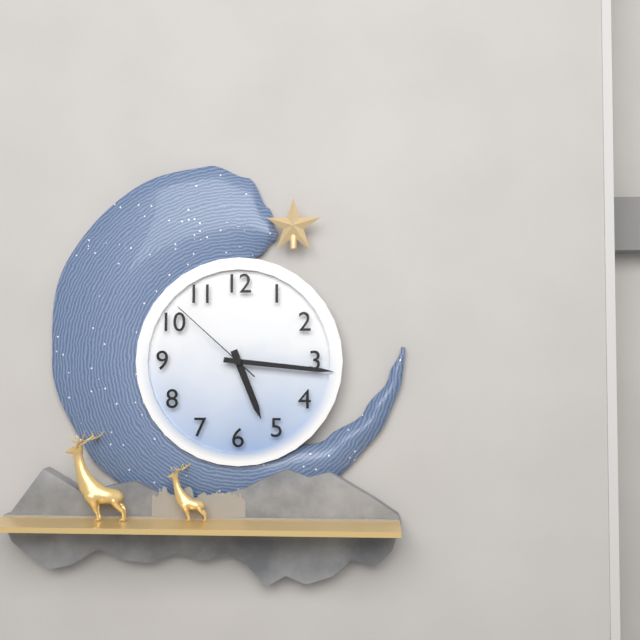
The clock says 5 h 16 min 52 s
